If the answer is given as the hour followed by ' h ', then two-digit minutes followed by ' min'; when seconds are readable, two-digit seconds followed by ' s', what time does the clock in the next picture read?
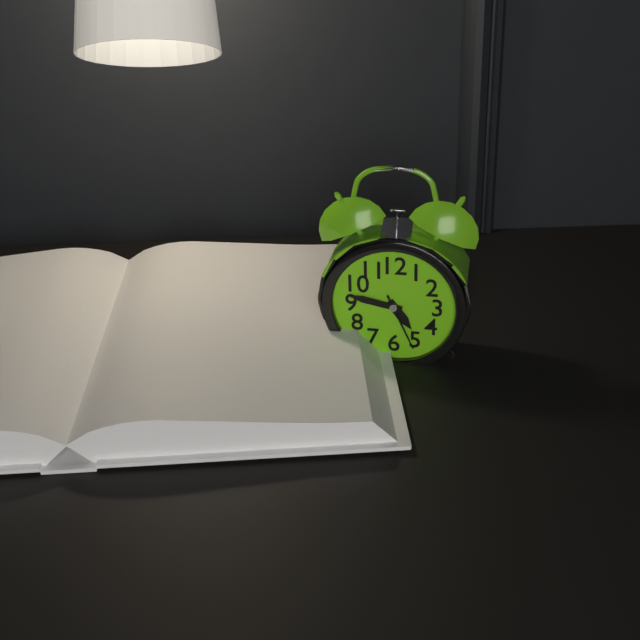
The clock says 4 h 47 min 26 s
